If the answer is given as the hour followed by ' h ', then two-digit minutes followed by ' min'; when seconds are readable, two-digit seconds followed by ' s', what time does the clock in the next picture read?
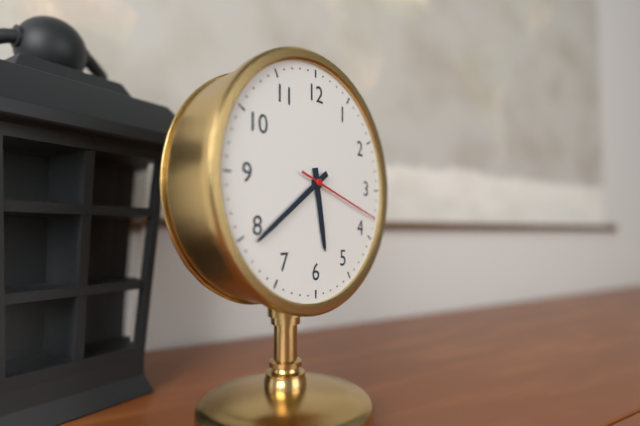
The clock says 5 h 39 min 18 s
